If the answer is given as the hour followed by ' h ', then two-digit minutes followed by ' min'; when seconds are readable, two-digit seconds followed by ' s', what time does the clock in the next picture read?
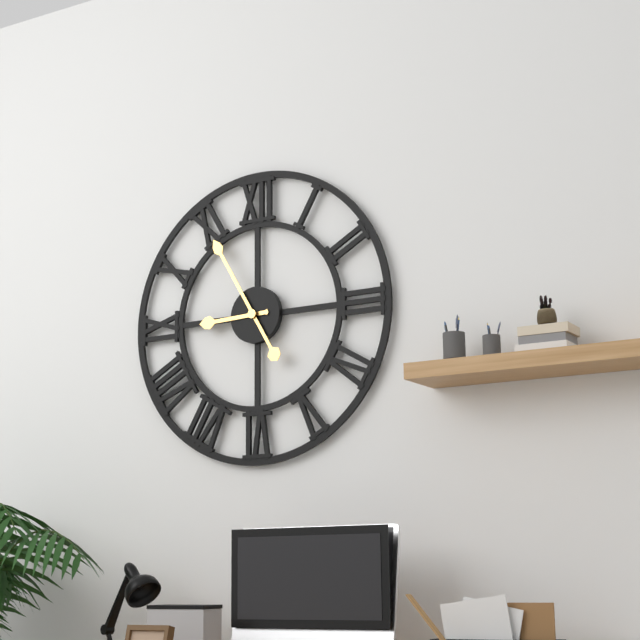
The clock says 8 h 55 min
